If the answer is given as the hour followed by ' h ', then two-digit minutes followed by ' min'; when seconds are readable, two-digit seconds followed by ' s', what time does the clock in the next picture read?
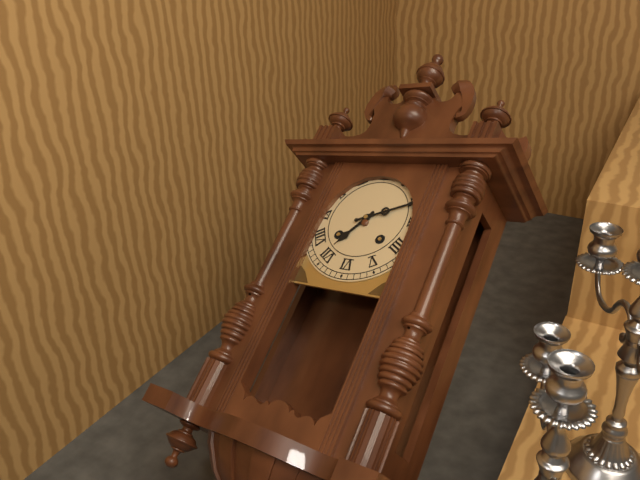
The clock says 7 h 11 min
